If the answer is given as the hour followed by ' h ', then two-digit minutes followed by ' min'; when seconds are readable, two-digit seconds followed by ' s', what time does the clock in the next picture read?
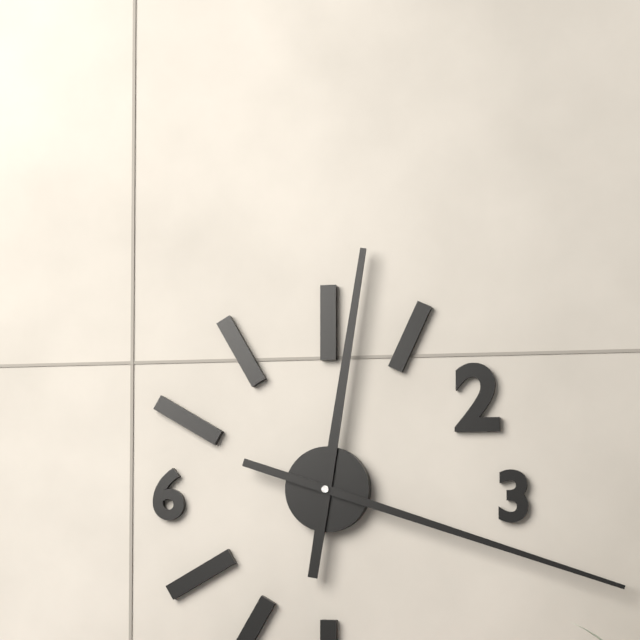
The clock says 12 h 18 min
